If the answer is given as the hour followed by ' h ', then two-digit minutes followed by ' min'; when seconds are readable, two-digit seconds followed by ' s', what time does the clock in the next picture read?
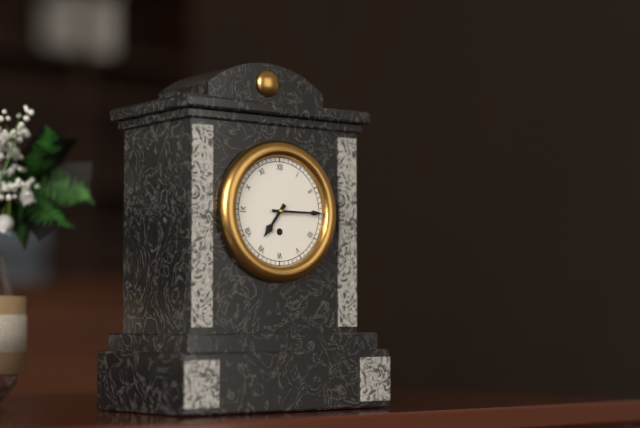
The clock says 7 h 15 min
